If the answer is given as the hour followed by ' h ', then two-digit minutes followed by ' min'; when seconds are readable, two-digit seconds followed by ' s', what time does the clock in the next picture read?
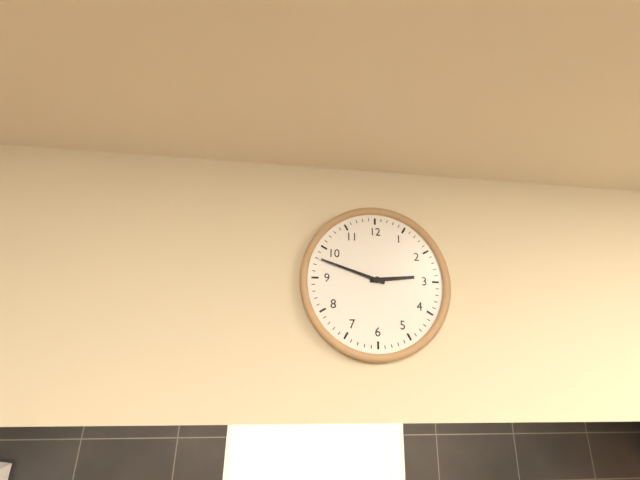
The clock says 2 h 48 min
